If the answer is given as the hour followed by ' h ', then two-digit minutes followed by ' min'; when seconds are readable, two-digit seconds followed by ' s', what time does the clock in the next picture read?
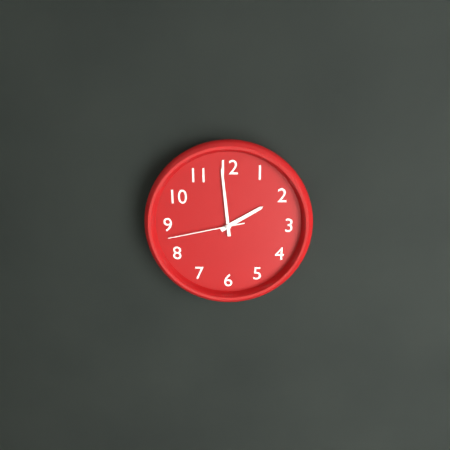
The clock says 1 h 59 min 43 s
